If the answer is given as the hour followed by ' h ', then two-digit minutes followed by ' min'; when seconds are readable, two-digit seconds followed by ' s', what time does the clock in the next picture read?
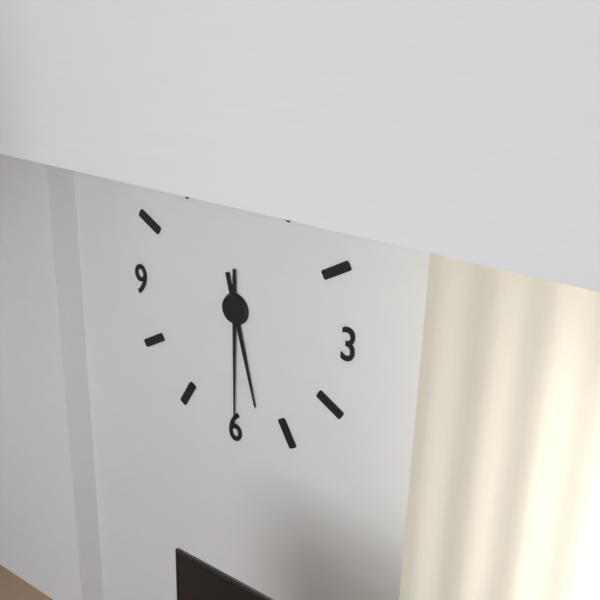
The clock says 5 h 30 min
